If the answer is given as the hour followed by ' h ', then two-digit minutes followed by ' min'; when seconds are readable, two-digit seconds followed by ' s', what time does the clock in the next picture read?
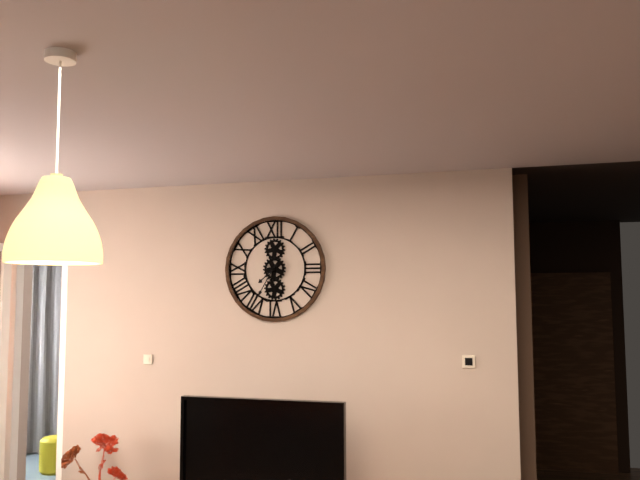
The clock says 7 h 35 min
